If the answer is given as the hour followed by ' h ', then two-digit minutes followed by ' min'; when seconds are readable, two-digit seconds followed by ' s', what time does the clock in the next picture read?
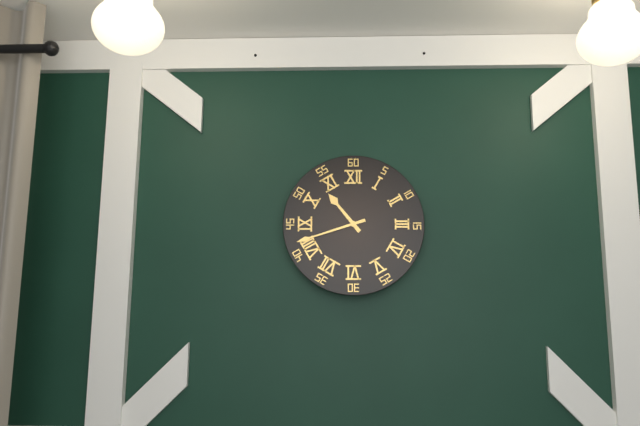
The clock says 10 h 42 min
